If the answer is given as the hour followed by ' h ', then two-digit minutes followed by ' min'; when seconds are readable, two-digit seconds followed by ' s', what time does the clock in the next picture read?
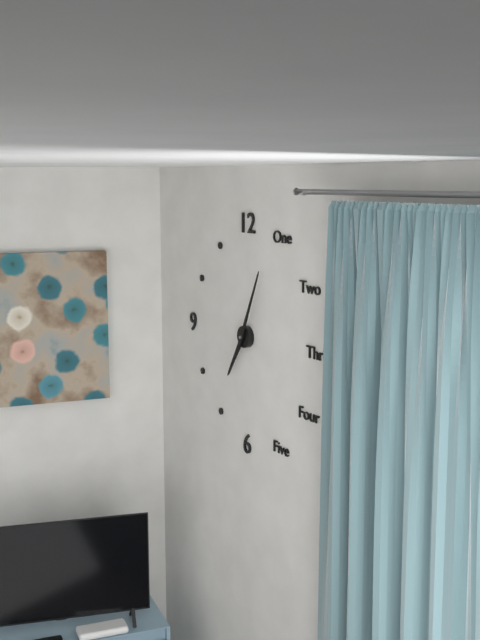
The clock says 7 h 04 min
